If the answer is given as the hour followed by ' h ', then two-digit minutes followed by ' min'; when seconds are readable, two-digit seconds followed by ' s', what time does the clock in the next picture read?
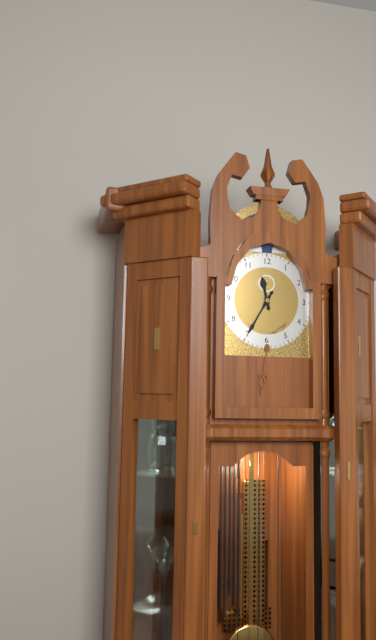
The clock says 11 h 35 min
